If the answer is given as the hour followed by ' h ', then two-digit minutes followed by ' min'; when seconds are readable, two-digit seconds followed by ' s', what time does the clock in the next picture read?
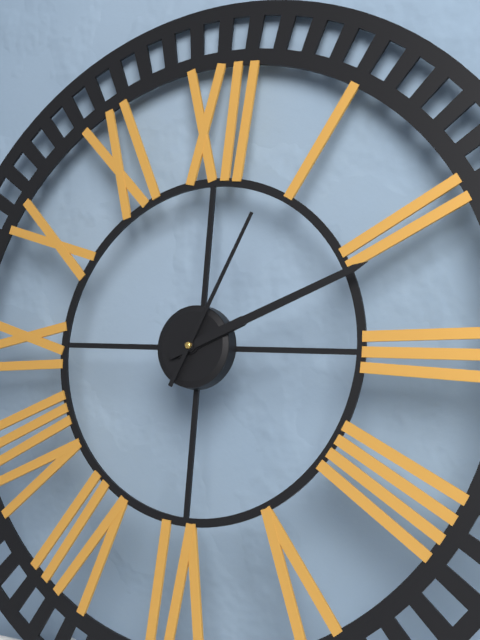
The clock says 2 h 11 min 04 s
